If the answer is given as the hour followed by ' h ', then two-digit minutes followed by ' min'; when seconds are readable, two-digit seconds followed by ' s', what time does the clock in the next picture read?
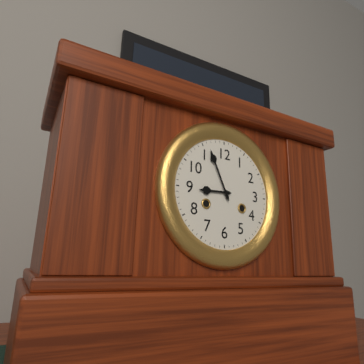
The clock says 8 h 56 min
